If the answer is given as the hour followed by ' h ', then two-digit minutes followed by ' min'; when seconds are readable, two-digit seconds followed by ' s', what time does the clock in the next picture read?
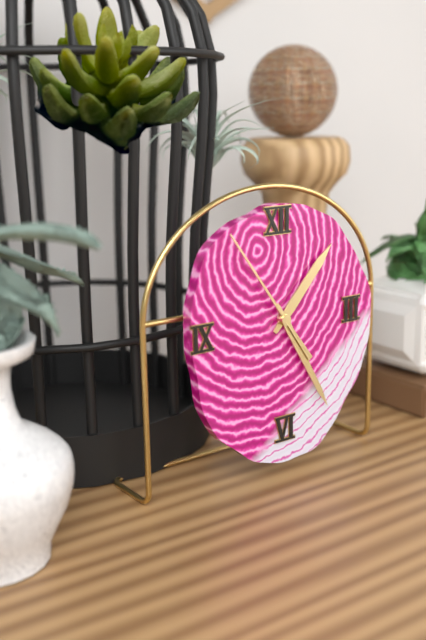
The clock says 1 h 25 min 54 s
